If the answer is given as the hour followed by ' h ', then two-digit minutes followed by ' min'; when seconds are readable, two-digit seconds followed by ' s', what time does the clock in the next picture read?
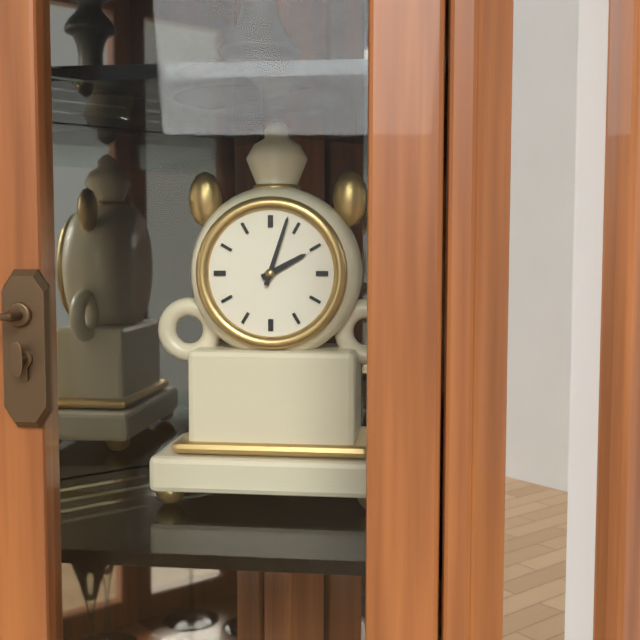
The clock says 2 h 03 min
